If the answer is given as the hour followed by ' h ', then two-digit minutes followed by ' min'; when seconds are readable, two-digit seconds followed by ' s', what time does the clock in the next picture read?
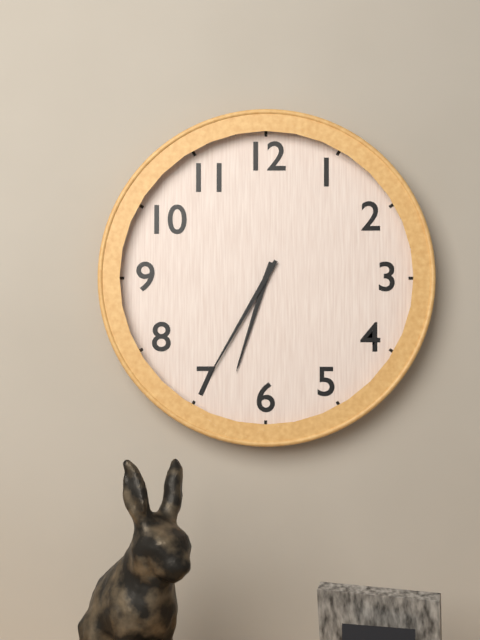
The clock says 6 h 35 min
